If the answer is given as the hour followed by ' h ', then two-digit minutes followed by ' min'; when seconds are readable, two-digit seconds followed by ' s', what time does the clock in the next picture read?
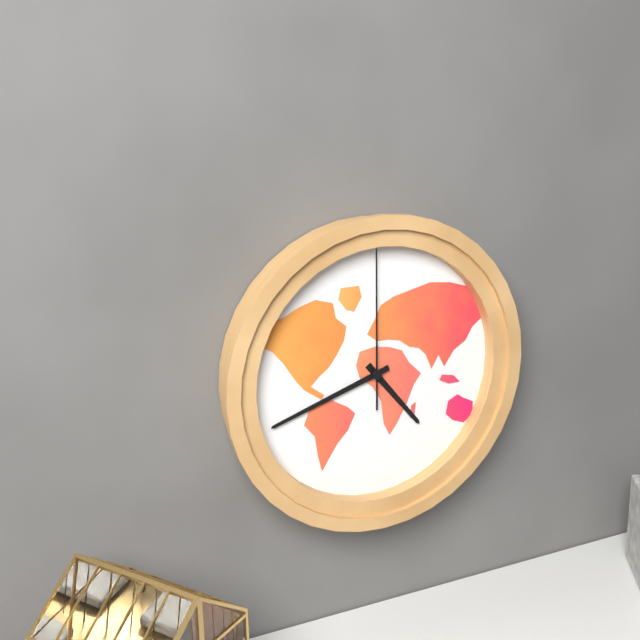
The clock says 4 h 42 min 00 s
